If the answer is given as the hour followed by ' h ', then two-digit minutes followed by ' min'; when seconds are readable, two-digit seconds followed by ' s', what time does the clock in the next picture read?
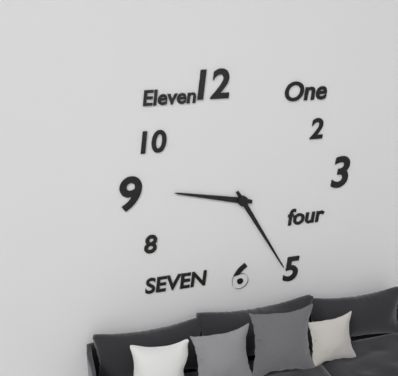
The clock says 9 h 25 min
